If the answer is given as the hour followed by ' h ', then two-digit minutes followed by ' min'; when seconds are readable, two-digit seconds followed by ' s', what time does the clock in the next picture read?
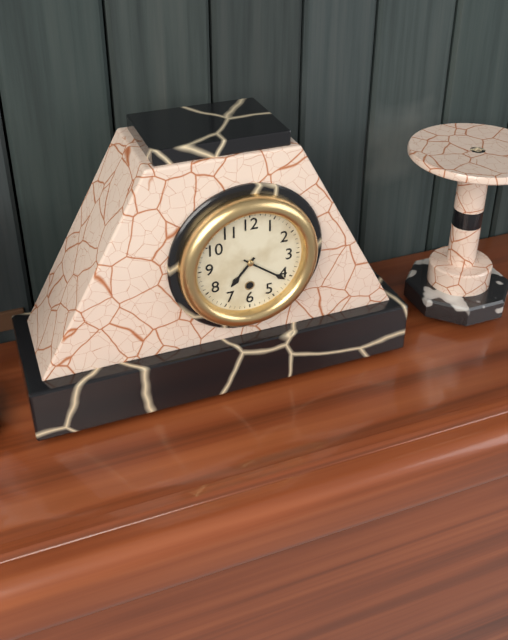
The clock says 7 h 21 min
